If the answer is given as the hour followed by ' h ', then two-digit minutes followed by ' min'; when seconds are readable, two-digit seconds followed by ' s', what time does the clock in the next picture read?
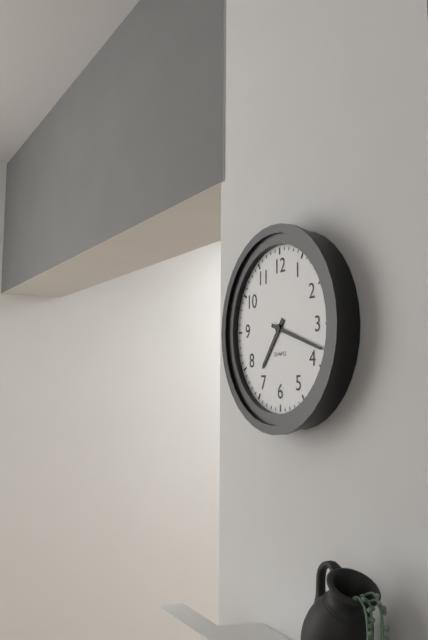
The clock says 7 h 18 min
